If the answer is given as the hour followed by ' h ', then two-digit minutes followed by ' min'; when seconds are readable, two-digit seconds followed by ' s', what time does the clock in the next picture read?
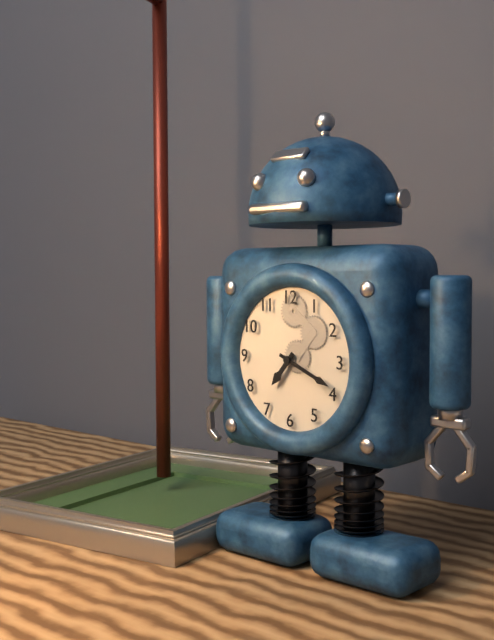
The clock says 7 h 19 min
